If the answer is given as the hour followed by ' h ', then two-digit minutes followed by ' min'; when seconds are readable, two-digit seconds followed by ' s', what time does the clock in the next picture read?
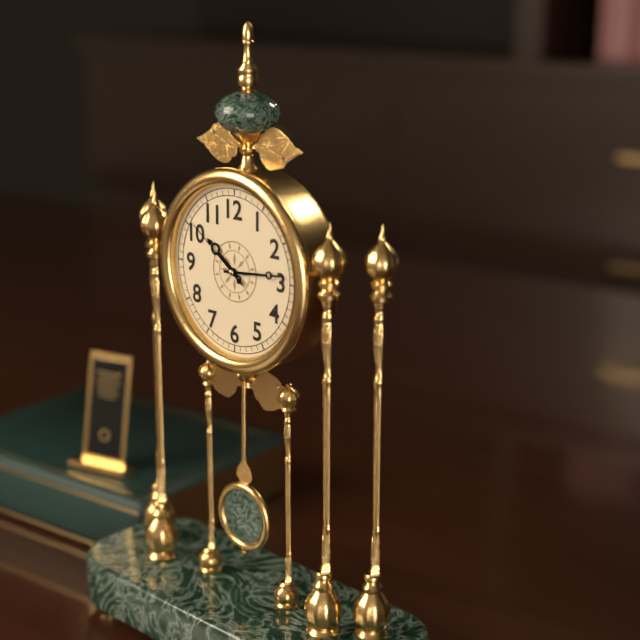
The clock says 10 h 14 min 51 s
